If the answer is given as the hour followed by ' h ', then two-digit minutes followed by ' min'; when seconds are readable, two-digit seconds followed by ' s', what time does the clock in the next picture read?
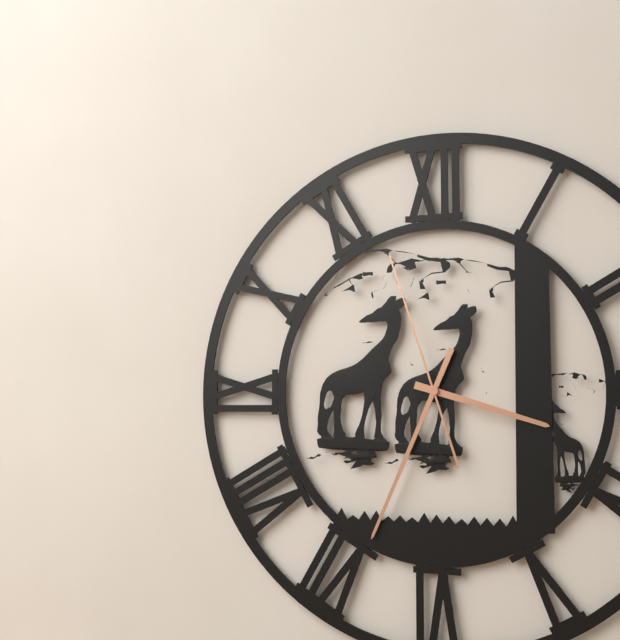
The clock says 3 h 34 min 57 s
